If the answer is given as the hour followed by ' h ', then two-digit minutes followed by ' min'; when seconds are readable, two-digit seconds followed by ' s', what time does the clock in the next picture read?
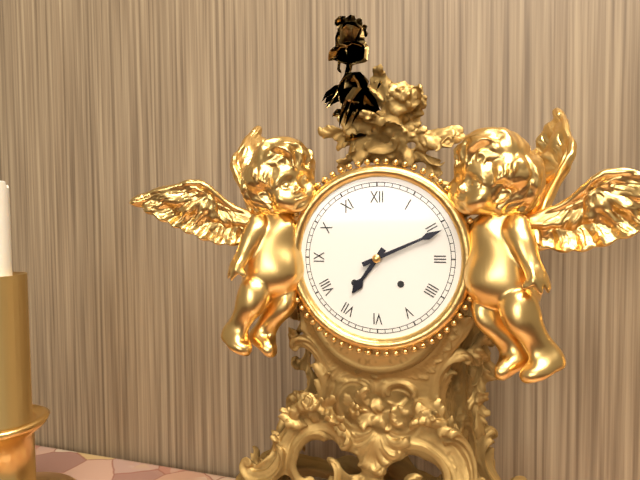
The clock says 7 h 11 min
